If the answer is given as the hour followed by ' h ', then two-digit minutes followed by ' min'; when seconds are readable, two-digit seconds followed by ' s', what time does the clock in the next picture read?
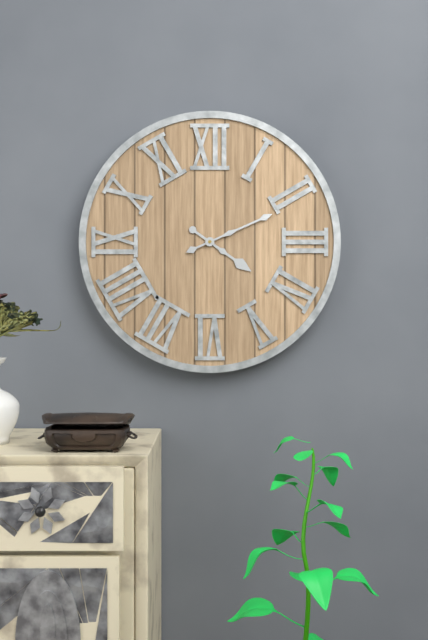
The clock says 4 h 11 min
